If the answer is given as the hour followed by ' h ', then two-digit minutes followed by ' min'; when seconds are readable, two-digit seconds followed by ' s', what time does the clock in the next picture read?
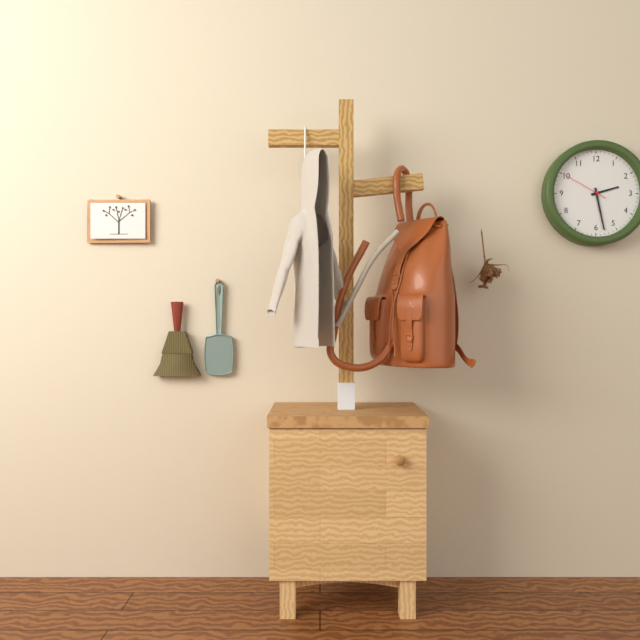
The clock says 2 h 28 min
